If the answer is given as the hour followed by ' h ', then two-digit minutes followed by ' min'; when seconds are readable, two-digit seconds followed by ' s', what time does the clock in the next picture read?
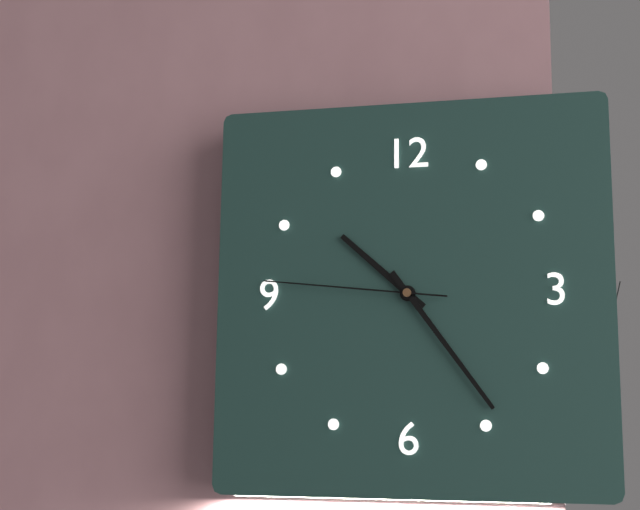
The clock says 10 h 24 min 46 s
